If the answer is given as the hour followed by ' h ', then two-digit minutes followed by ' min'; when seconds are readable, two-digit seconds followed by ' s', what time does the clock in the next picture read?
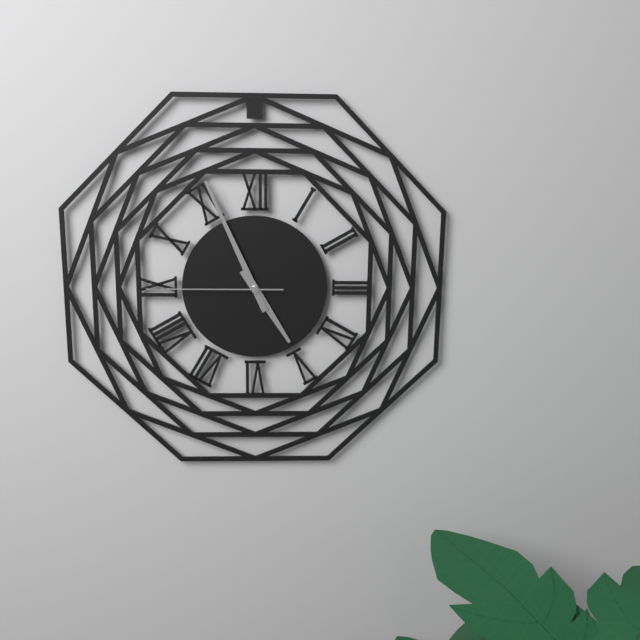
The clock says 4 h 56 min 45 s
